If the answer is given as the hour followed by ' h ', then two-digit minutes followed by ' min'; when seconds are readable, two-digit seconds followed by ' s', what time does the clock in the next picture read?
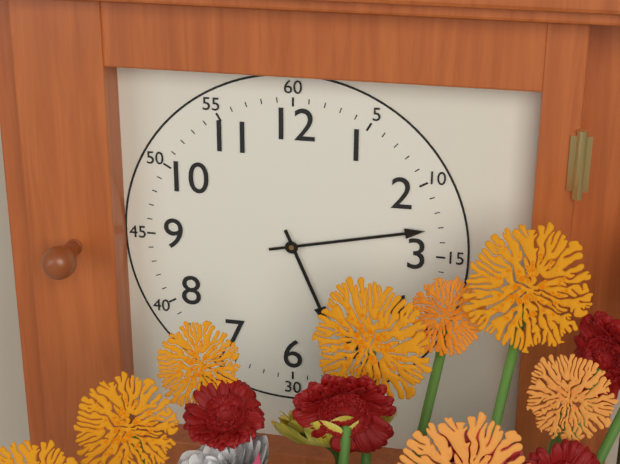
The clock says 5 h 13 min
